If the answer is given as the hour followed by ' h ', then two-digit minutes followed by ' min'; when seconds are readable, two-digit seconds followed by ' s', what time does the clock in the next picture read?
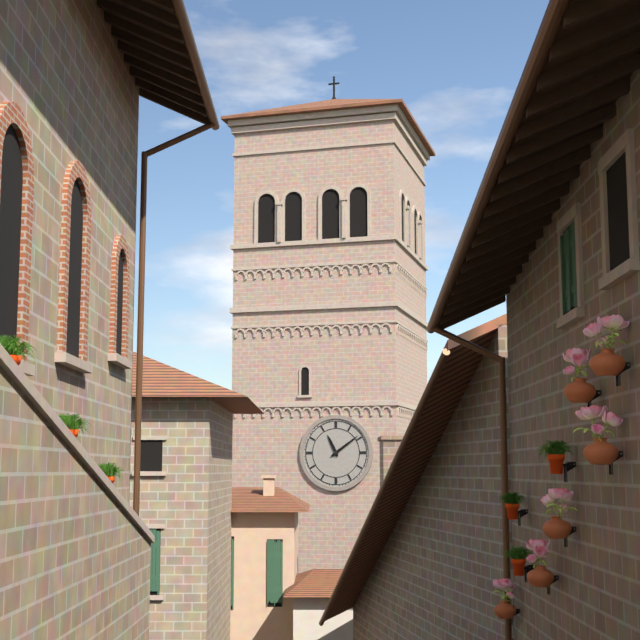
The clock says 11 h 09 min
